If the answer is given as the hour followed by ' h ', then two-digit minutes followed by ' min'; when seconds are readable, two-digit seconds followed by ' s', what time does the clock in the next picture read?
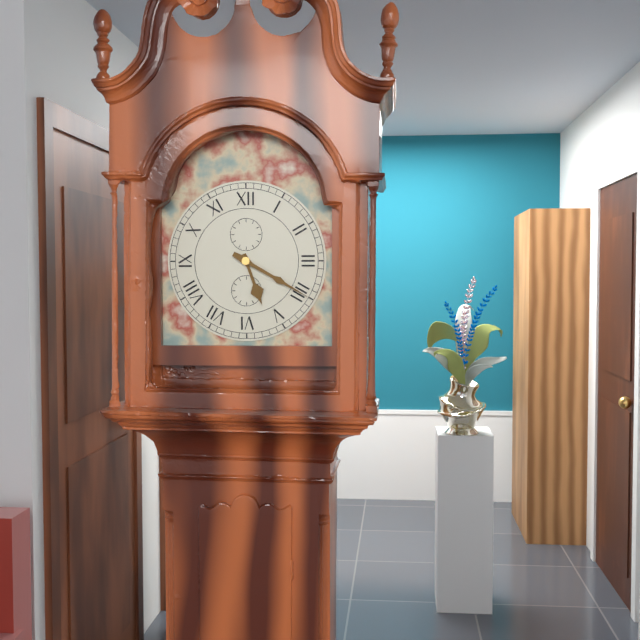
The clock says 5 h 20 min
